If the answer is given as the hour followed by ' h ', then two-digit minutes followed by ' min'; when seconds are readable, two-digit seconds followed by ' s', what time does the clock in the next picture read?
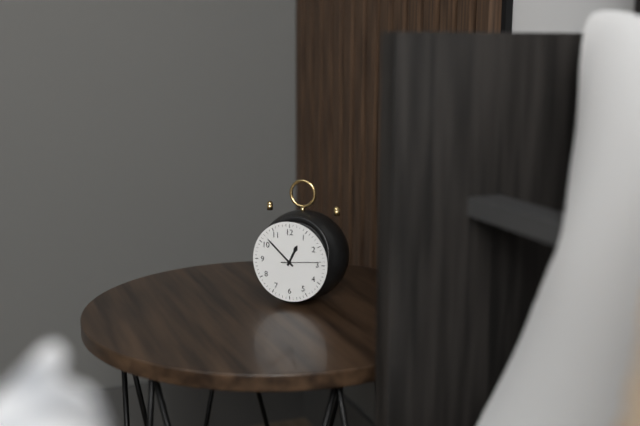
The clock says 12 h 52 min
